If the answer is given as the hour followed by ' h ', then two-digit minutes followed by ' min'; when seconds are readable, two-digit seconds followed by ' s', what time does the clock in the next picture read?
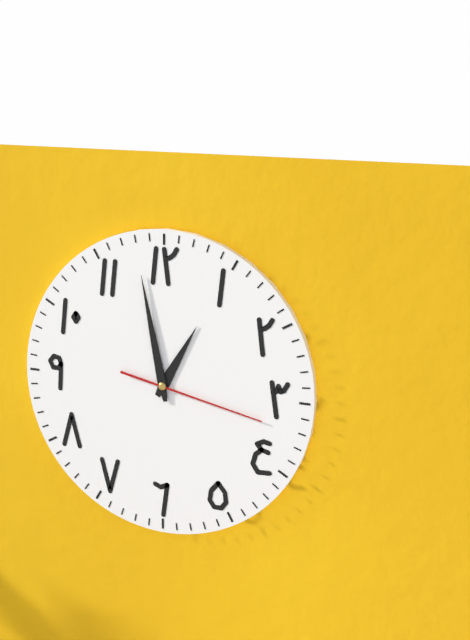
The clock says 12 h 58 min 17 s
